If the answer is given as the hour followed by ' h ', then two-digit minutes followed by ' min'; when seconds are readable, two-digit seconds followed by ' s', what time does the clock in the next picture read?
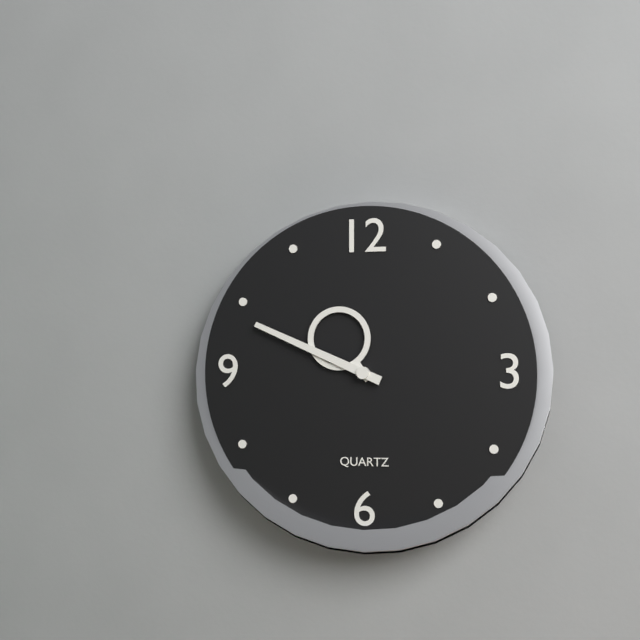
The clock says 10 h 49 min
